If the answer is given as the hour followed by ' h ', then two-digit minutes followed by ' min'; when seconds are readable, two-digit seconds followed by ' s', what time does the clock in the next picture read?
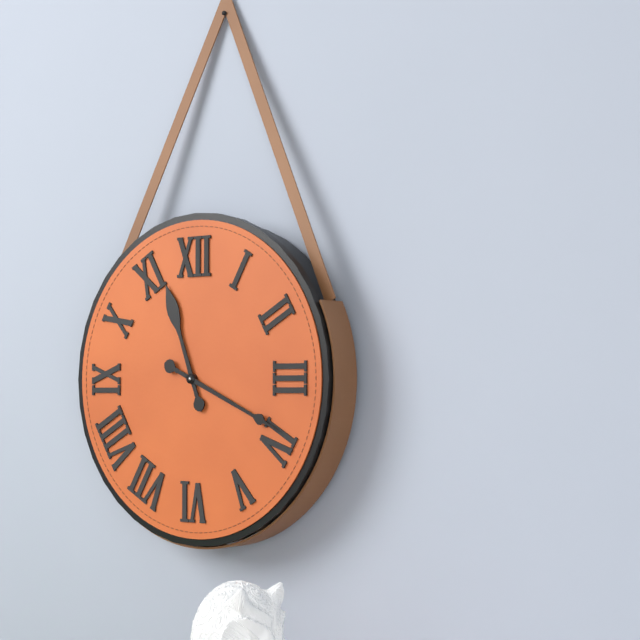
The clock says 11 h 19 min
